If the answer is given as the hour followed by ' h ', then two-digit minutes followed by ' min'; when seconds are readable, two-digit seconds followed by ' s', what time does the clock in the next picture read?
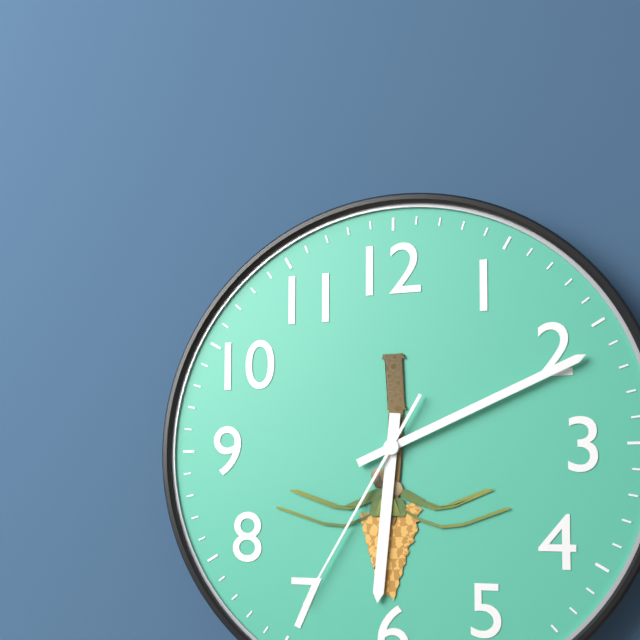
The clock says 6 h 11 min 35 s
